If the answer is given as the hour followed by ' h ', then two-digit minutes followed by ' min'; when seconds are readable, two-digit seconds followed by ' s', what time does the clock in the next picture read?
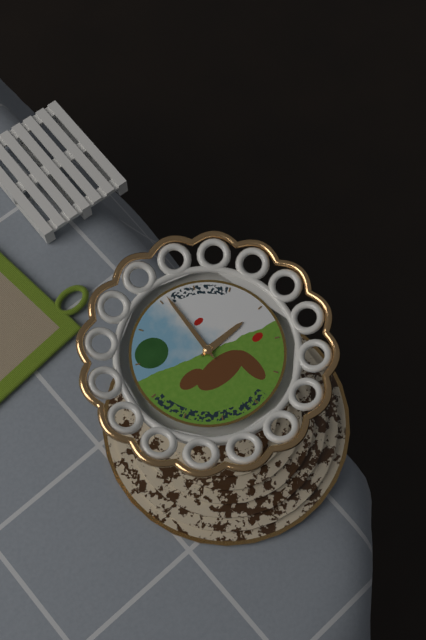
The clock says 3 h 01 min
